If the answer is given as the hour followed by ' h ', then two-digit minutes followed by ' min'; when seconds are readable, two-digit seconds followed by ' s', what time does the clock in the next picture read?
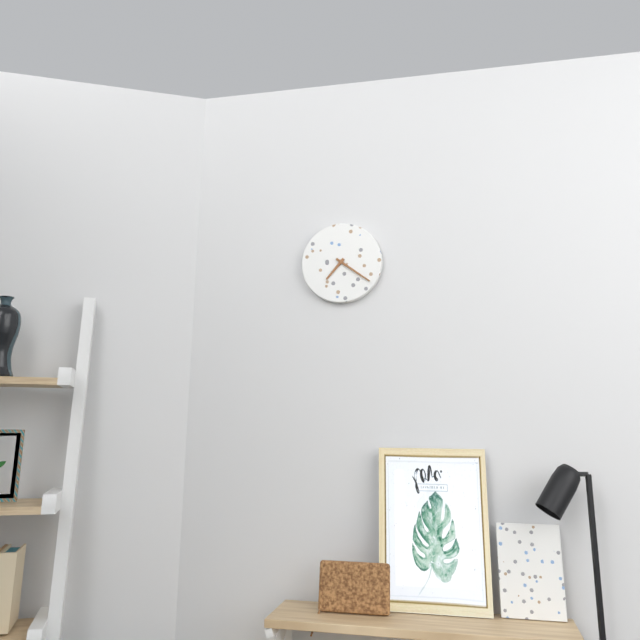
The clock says 7 h 21 min
